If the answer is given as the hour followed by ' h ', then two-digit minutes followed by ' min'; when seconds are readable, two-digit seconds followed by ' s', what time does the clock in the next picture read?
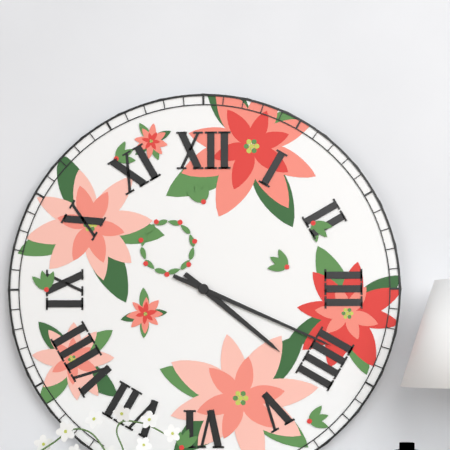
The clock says 4 h 19 min
